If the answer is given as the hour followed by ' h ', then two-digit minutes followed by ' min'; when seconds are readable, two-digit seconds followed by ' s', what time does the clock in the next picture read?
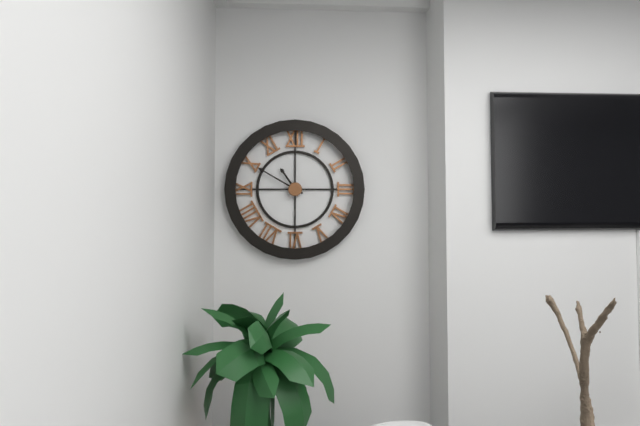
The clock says 10 h 50 min
